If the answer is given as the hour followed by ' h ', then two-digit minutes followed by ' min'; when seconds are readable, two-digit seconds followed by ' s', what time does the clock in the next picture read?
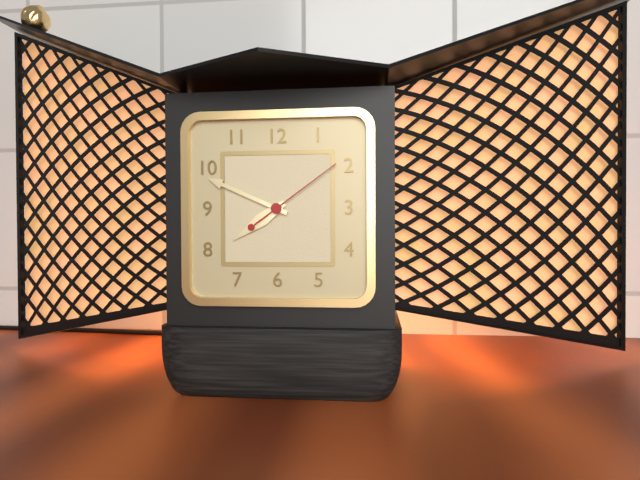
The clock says 7 h 49 min 09 s
